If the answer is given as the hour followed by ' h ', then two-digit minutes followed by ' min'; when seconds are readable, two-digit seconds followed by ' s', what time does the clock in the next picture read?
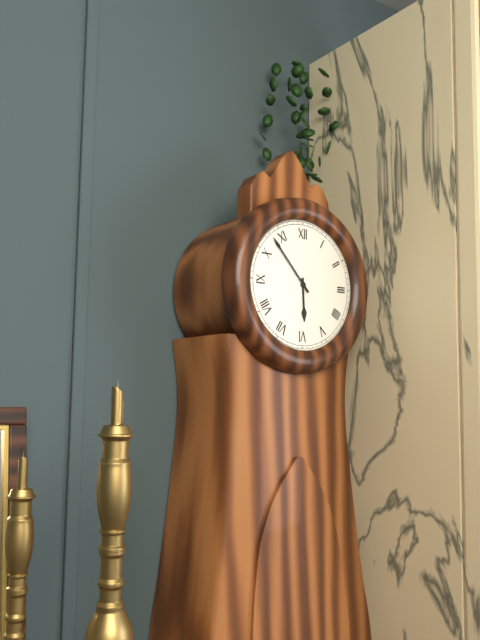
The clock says 5 h 53 min
